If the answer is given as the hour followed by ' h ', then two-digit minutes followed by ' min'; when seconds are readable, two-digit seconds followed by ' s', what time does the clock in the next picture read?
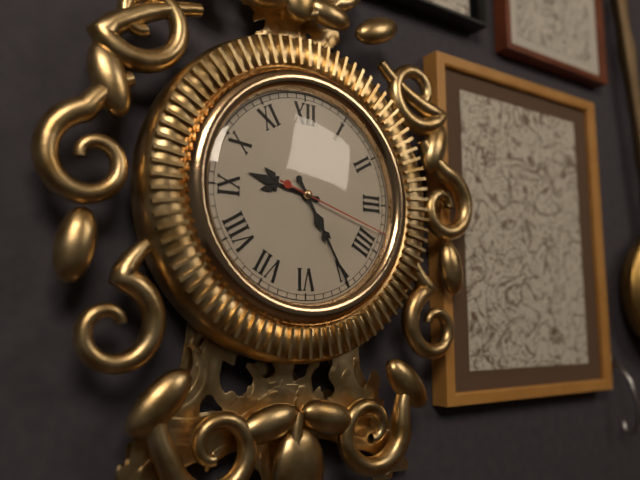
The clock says 9 h 25 min 18 s
